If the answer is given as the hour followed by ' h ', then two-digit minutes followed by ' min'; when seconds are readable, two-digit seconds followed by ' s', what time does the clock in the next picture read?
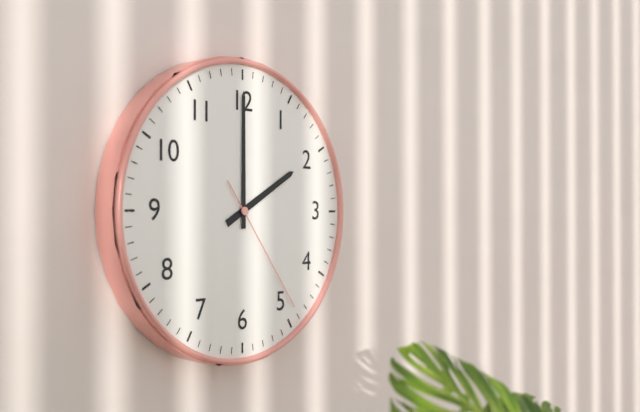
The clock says 2 h 00 min 24 s
